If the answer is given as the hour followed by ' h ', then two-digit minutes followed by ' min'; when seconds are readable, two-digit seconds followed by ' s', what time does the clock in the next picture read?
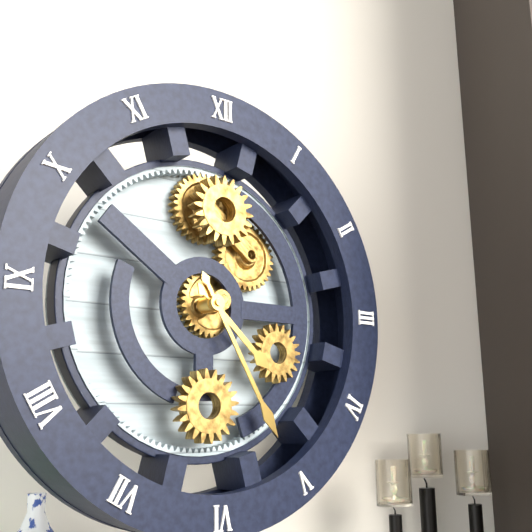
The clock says 4 h 25 min
